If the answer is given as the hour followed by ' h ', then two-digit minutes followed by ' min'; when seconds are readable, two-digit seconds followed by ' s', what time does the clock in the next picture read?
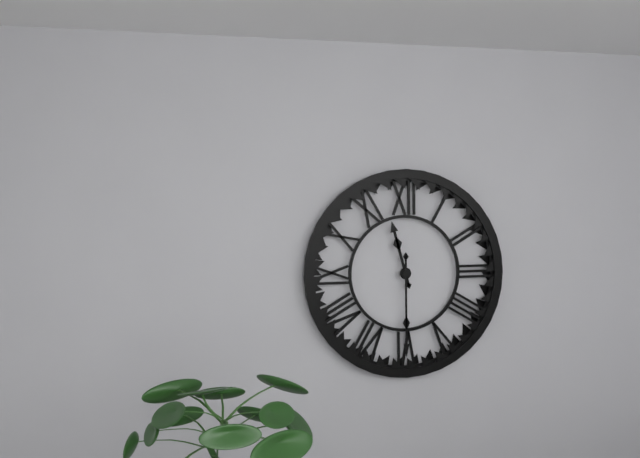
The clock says 11 h 30 min
